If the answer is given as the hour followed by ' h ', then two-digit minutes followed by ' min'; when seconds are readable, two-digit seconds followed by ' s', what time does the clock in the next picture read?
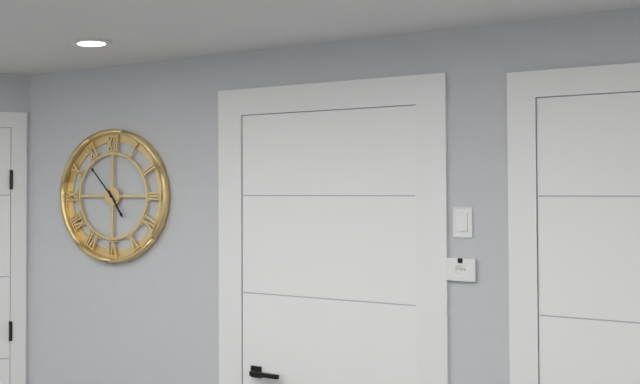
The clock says 4 h 53 min
